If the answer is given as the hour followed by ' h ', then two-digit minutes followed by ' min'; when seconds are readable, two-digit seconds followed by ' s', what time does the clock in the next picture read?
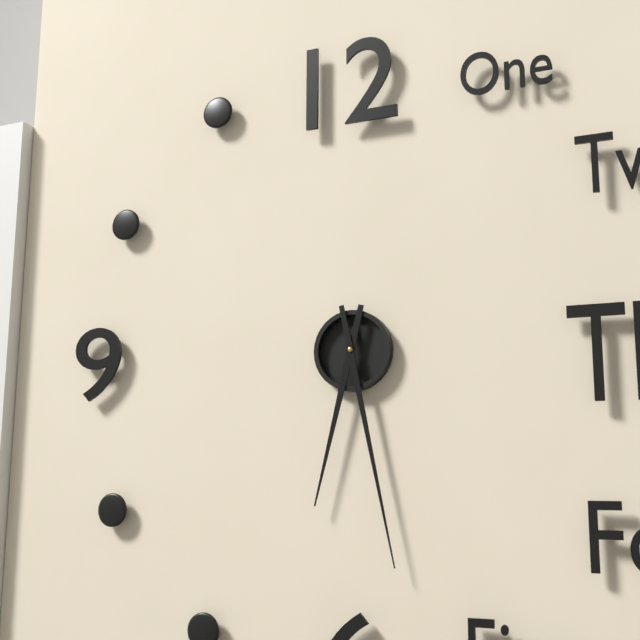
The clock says 6 h 28 min
